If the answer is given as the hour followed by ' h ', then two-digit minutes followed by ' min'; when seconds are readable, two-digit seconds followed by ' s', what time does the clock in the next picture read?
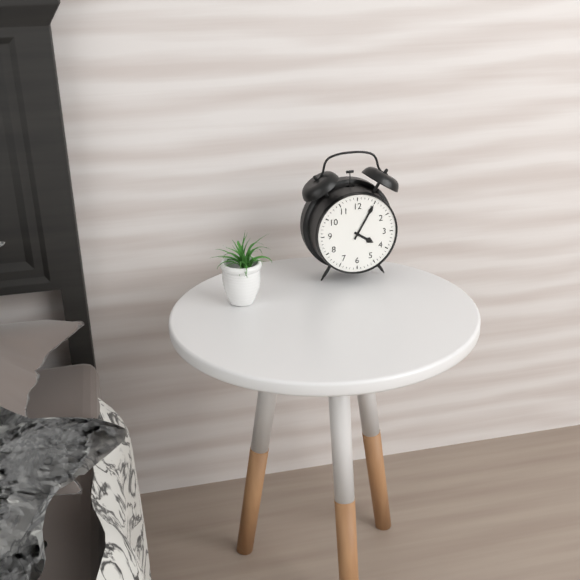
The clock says 4 h 05 min
